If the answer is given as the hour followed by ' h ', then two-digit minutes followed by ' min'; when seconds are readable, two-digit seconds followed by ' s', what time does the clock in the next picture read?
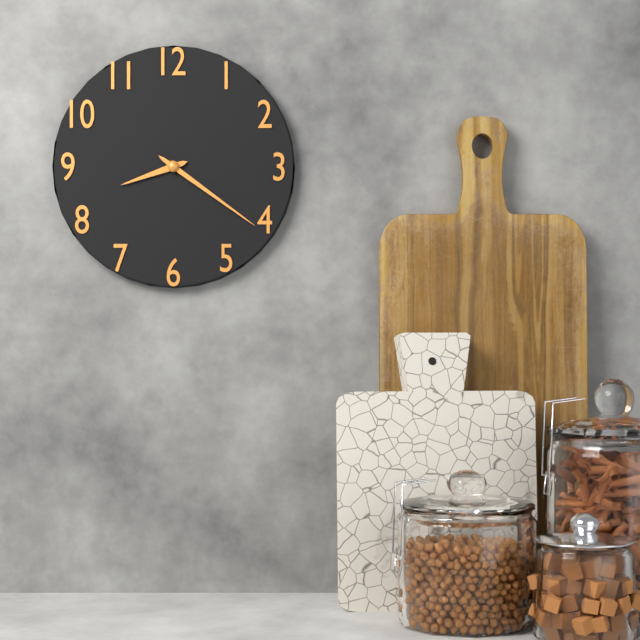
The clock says 8 h 21 min
